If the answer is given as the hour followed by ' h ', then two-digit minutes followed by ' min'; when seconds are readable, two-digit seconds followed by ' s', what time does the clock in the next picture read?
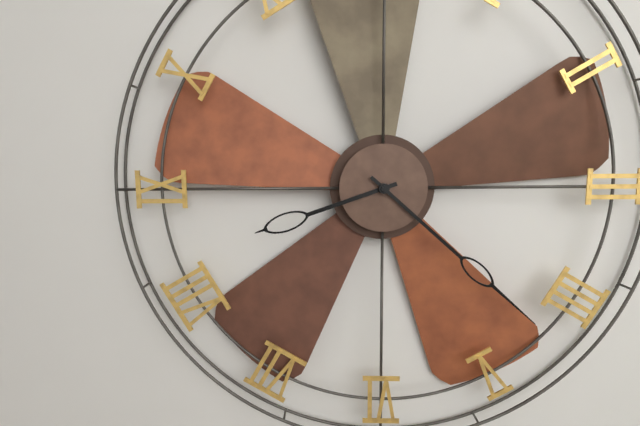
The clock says 8 h 22 min
